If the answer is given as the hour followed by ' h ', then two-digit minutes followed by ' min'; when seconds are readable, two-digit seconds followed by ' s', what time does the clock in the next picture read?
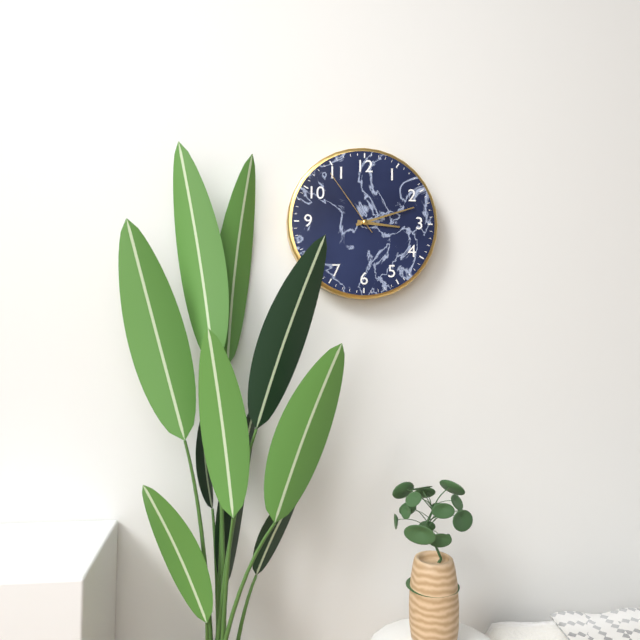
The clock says 3 h 12 min 54 s
